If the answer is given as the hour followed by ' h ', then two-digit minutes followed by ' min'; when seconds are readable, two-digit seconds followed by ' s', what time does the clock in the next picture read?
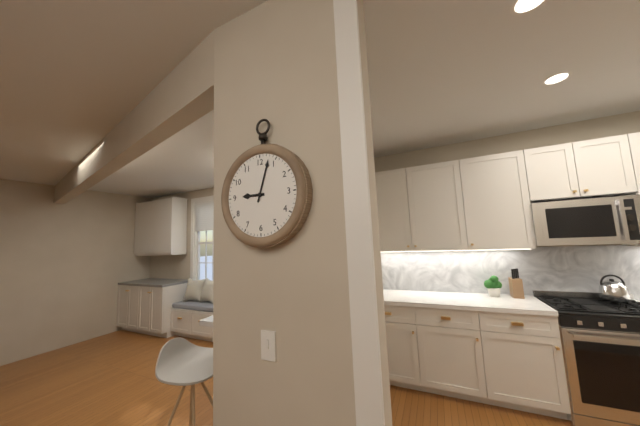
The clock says 9 h 03 min
